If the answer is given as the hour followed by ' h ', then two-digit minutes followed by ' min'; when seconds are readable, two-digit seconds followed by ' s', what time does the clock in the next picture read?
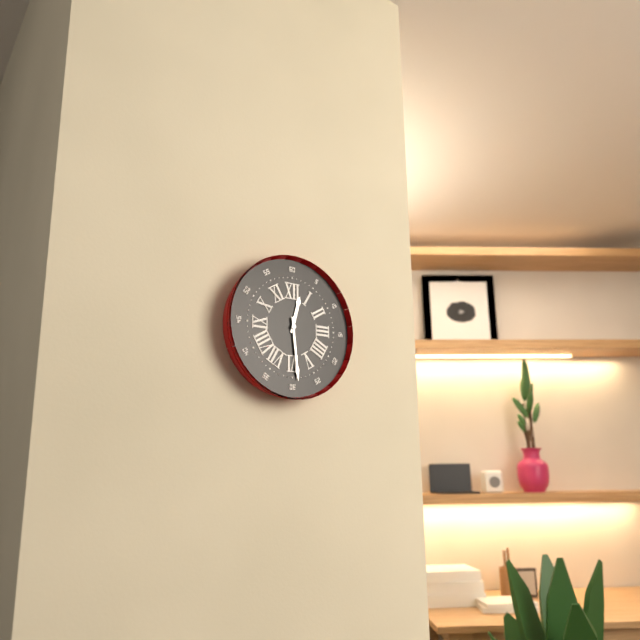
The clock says 12 h 29 min
